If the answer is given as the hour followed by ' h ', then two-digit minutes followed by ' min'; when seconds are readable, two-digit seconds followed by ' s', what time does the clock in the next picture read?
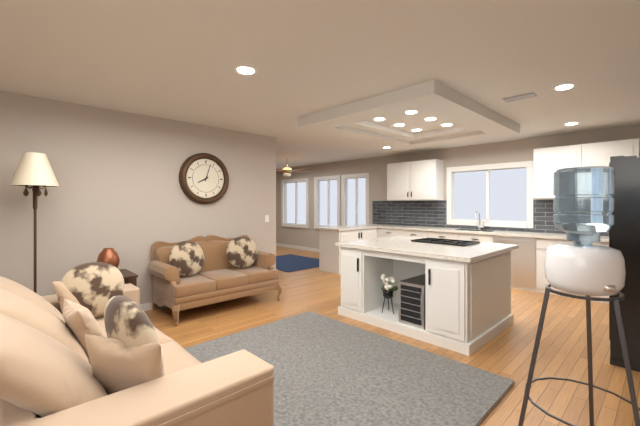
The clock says 8 h 03 min
